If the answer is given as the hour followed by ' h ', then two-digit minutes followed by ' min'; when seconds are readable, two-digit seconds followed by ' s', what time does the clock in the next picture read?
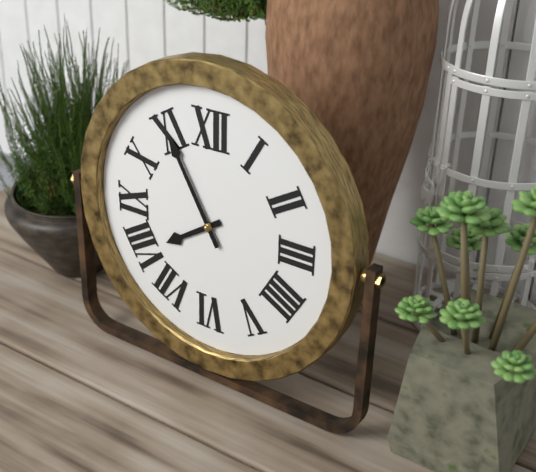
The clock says 7 h 55 min
